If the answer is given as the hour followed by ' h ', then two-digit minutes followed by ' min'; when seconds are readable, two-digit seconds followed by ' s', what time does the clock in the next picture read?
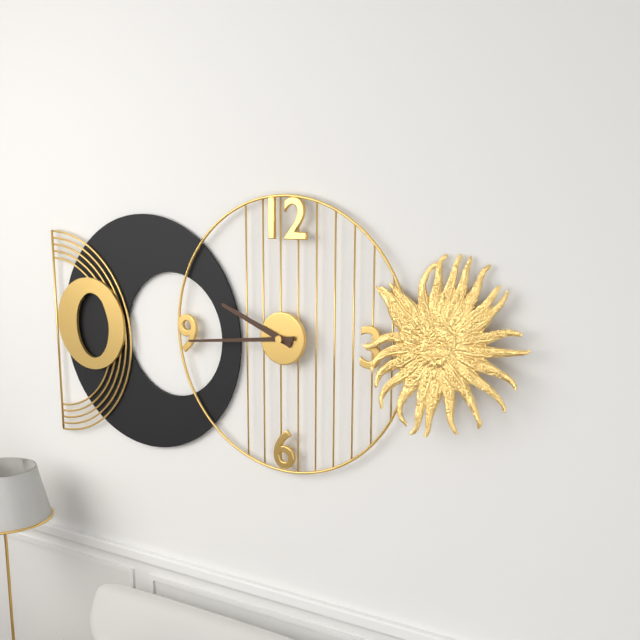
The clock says 9 h 44 min
